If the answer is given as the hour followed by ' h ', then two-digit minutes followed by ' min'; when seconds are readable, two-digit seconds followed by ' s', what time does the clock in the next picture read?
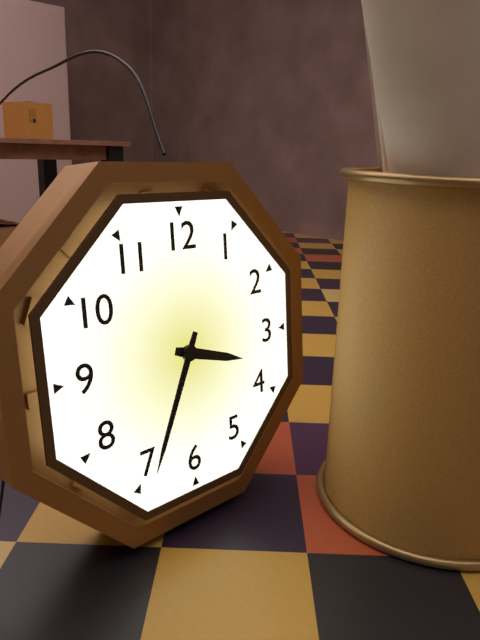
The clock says 3 h 34 min
